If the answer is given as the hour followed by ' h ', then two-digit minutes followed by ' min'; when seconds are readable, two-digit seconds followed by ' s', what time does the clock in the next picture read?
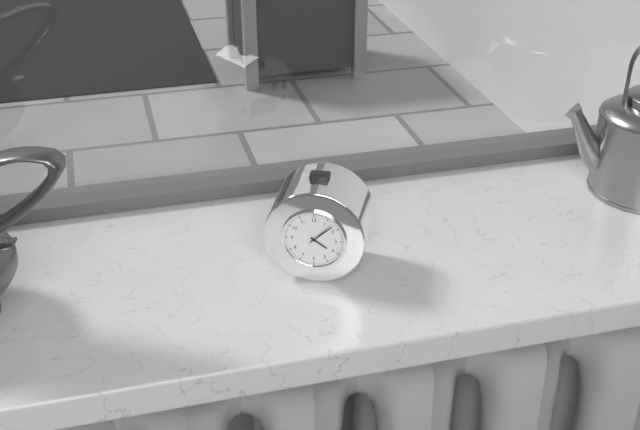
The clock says 4 h 08 min
